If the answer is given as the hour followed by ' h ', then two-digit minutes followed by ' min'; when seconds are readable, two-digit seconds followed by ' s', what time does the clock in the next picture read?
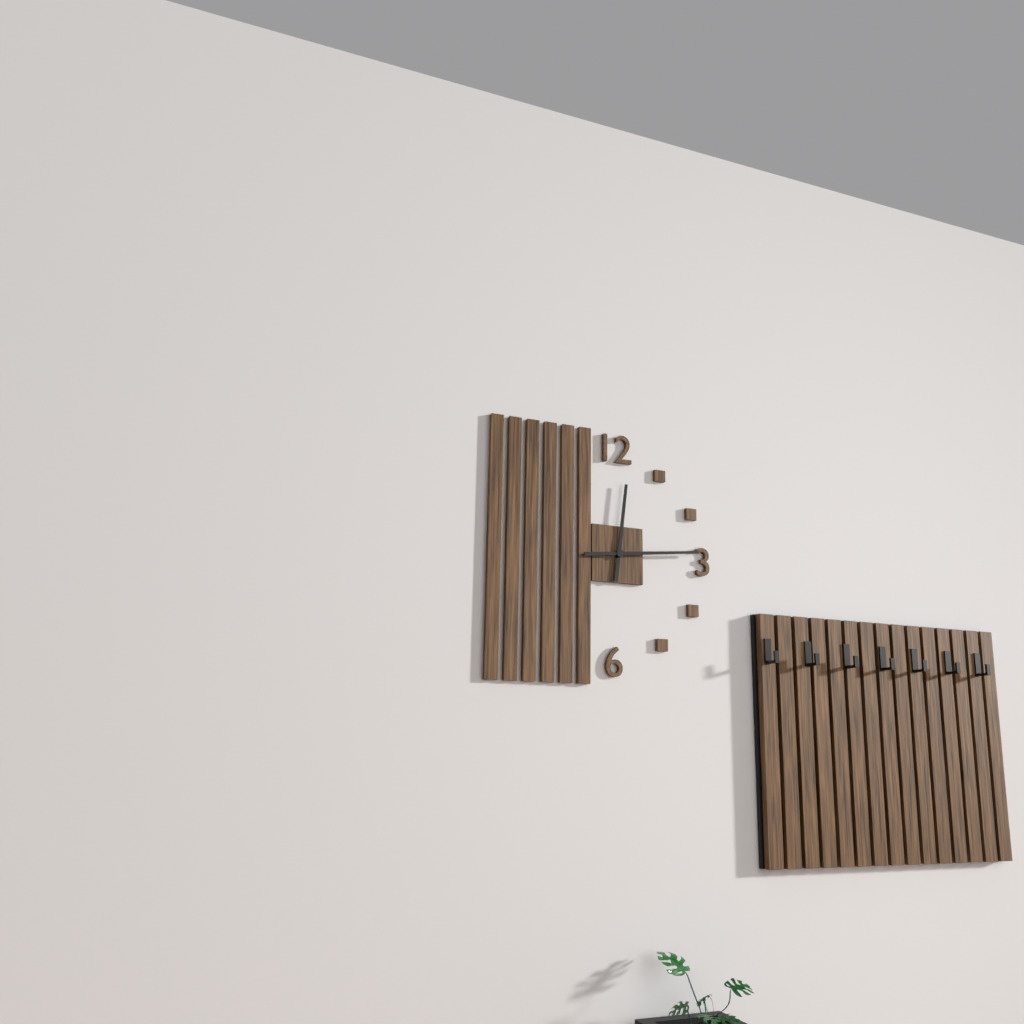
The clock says 12 h 14 min
